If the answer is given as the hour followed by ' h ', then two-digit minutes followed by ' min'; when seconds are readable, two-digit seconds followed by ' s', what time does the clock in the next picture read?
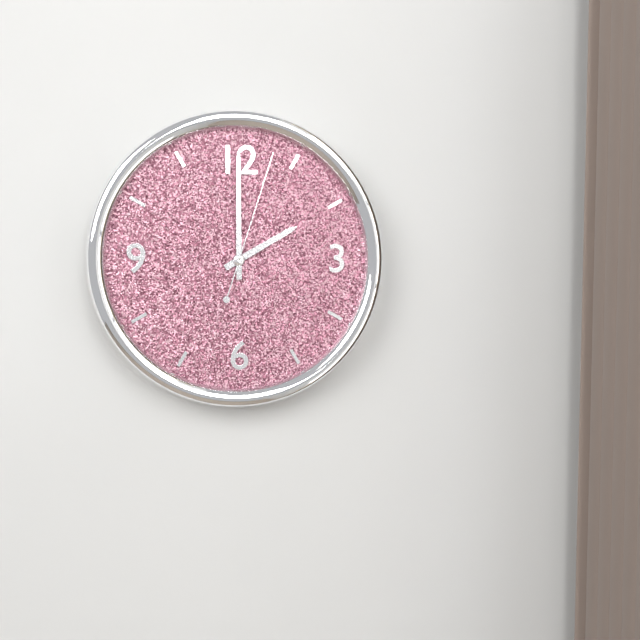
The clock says 2 h 00 min 03 s
